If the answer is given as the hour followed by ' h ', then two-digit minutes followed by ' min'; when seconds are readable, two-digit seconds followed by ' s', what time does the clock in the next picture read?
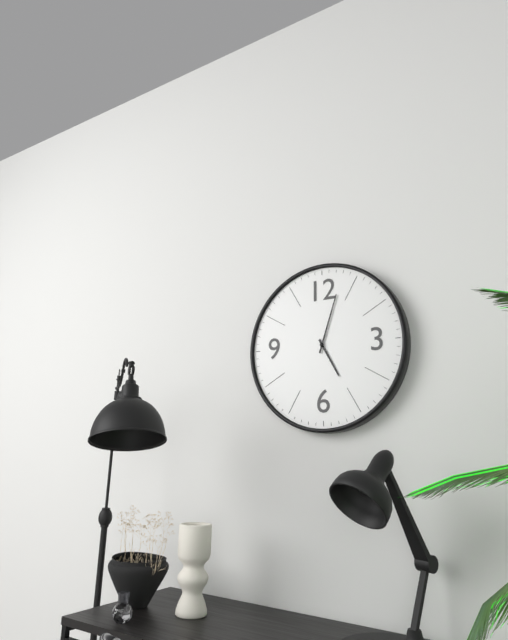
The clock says 5 h 03 min
